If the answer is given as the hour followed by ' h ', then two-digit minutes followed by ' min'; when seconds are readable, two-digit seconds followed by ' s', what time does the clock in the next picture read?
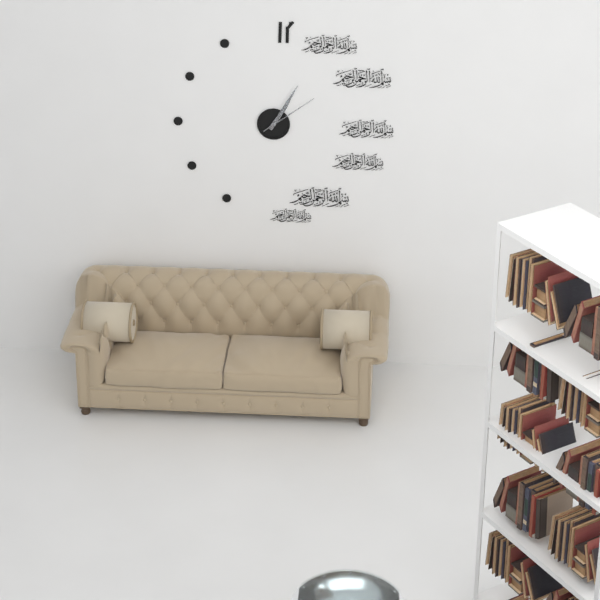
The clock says 1 h 05 min 09 s
